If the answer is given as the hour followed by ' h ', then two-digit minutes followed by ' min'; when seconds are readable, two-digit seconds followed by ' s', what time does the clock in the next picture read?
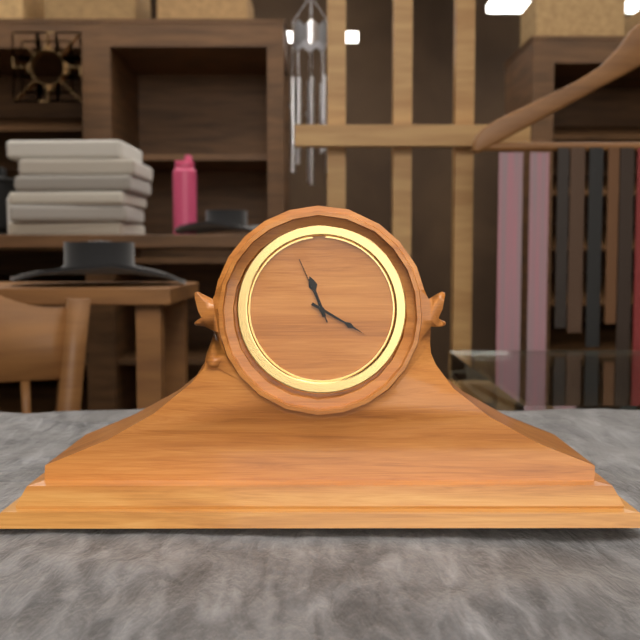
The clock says 11 h 20 min 56 s
